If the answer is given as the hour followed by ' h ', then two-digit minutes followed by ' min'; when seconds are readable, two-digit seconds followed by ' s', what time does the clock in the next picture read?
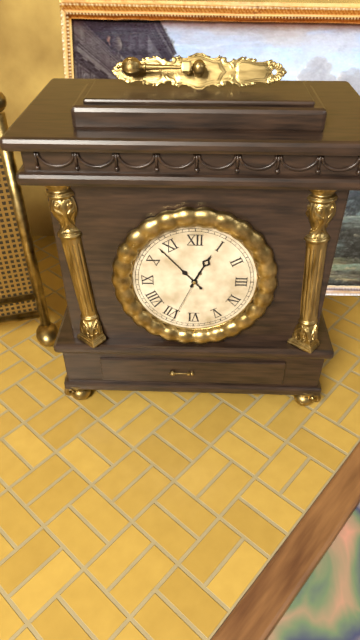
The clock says 12 h 53 min 34 s
